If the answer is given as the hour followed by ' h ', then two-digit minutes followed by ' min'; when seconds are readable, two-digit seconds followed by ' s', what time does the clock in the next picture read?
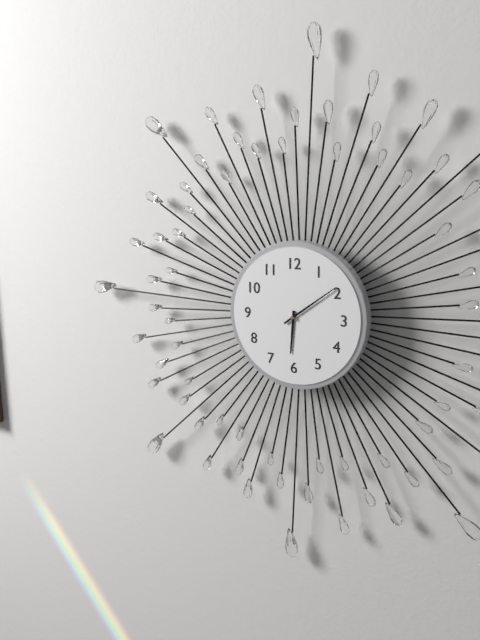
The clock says 6 h 09 min
